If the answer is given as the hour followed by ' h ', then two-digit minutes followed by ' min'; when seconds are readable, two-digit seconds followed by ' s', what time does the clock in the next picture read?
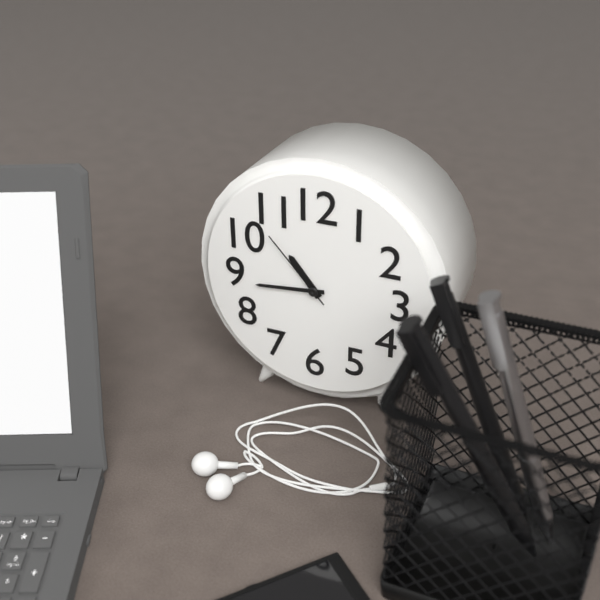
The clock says 10 h 44 min 53 s
